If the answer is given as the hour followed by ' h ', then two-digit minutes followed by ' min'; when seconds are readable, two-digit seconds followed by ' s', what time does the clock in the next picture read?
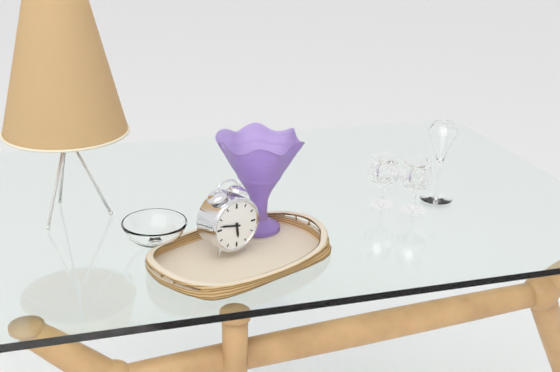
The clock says 5 h 47 min
